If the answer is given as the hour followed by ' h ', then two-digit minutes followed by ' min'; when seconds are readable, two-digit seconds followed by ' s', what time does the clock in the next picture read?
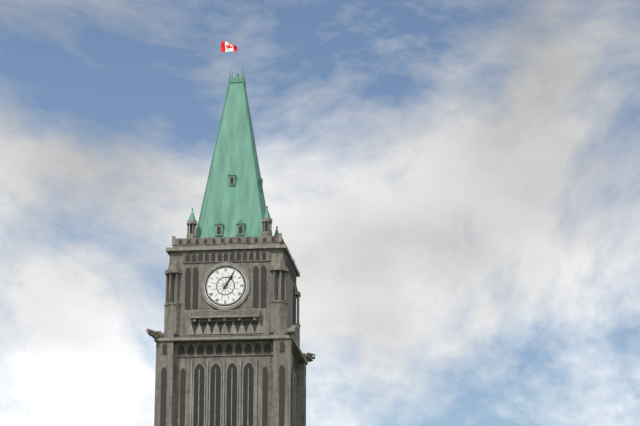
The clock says 1 h 05 min
